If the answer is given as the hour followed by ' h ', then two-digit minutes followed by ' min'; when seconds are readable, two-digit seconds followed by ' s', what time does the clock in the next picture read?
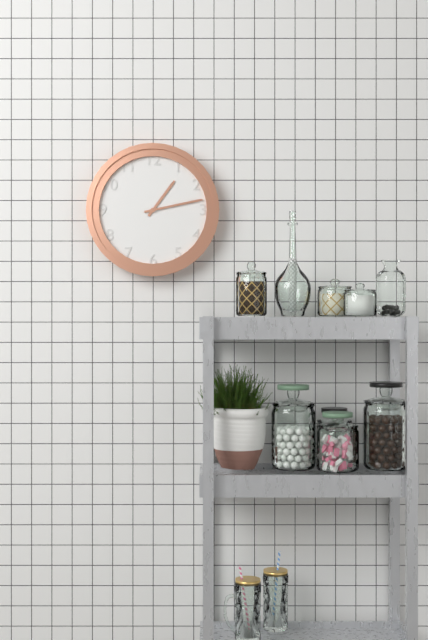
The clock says 1 h 13 min
